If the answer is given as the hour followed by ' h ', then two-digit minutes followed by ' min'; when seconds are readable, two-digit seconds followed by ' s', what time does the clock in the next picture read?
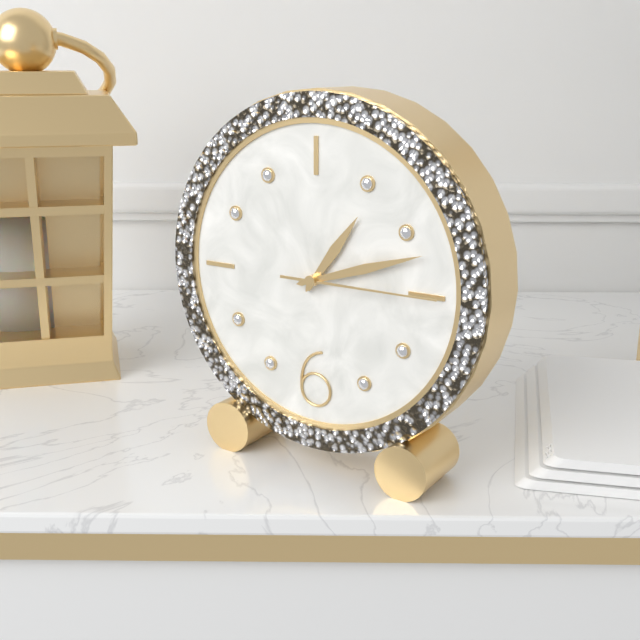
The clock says 1 h 12 min 15 s
